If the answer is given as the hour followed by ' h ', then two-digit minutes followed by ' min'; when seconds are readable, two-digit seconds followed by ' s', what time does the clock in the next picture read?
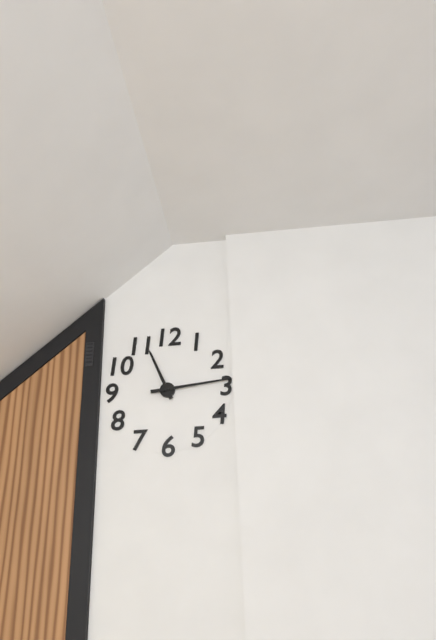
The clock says 11 h 14 min
